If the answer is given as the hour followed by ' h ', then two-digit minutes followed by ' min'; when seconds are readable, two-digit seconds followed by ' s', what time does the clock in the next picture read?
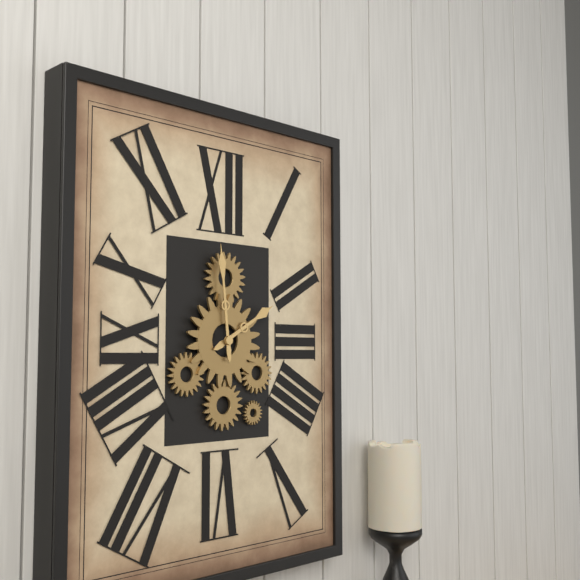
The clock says 1 h 59 min
